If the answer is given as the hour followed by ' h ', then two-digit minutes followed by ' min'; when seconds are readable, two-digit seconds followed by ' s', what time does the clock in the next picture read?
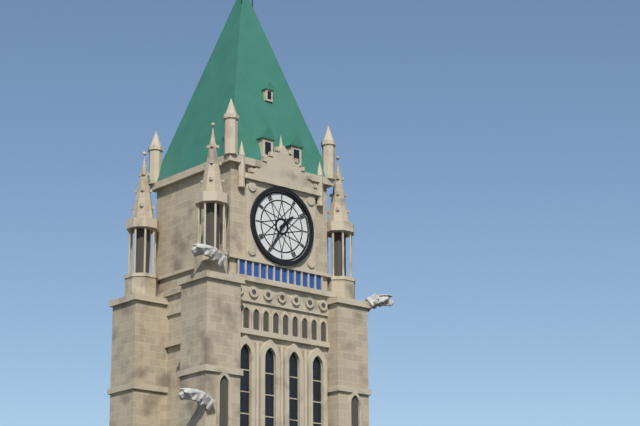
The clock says 1 h 35 min
